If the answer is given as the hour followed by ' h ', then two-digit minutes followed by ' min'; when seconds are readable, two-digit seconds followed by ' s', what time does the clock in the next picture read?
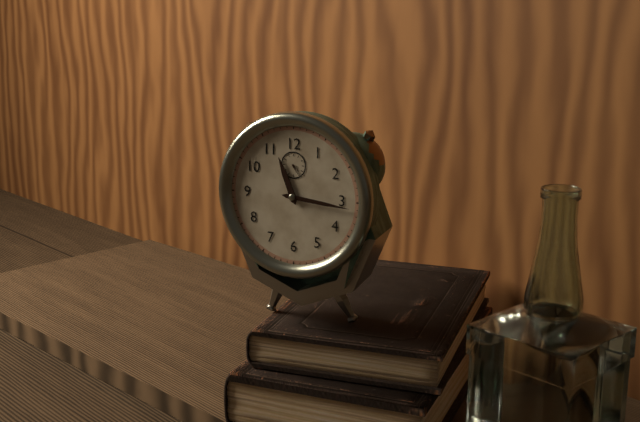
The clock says 11 h 16 min
